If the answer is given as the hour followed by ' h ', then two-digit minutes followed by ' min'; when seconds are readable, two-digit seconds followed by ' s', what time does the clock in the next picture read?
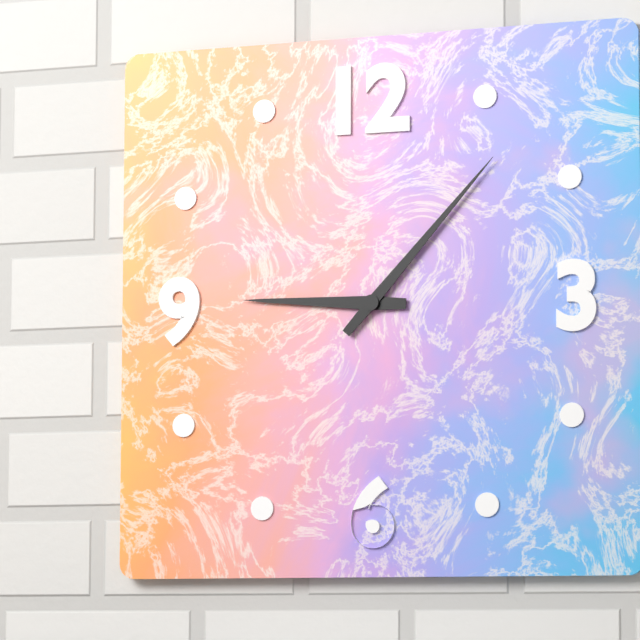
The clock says 9 h 07 min
